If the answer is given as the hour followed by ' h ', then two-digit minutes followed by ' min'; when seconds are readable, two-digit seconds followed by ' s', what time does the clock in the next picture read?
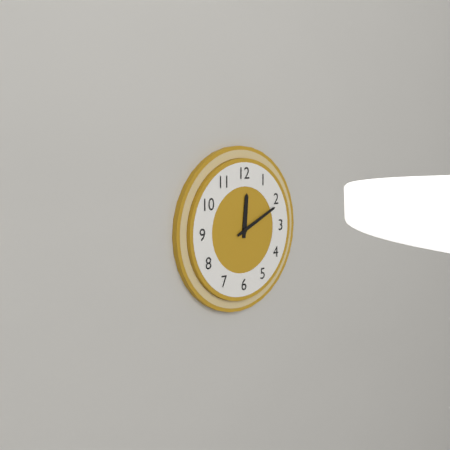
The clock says 12 h 11 min
